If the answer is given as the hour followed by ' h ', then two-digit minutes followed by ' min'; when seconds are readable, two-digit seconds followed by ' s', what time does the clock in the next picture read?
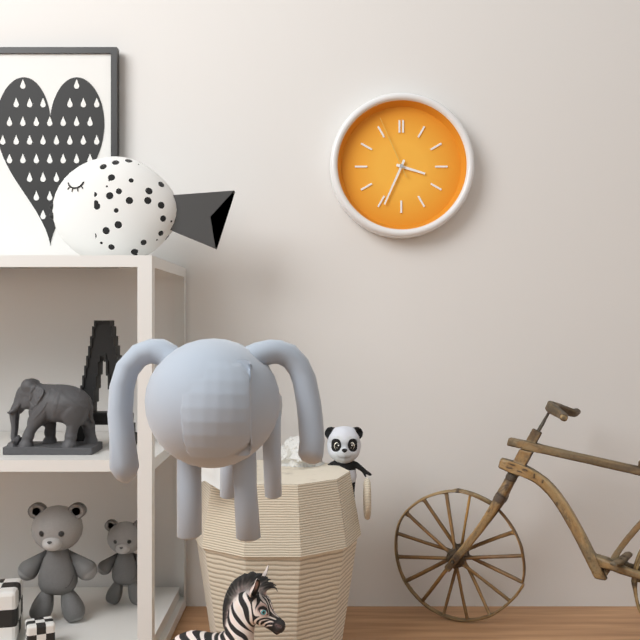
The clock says 3 h 34 min 56 s
